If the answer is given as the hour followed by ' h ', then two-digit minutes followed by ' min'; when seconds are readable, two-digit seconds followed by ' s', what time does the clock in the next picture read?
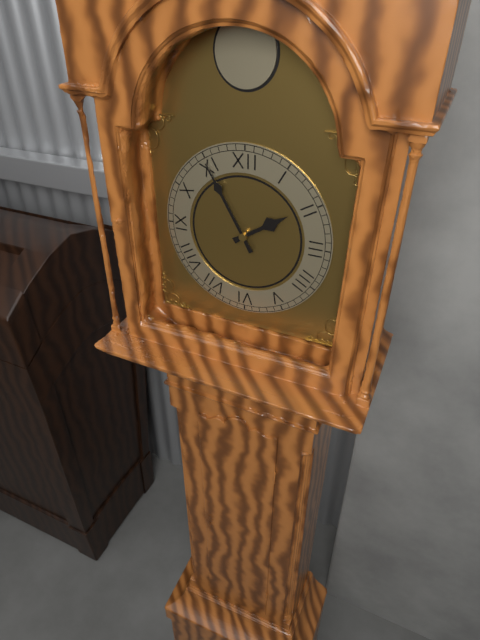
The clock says 1 h 55 min
